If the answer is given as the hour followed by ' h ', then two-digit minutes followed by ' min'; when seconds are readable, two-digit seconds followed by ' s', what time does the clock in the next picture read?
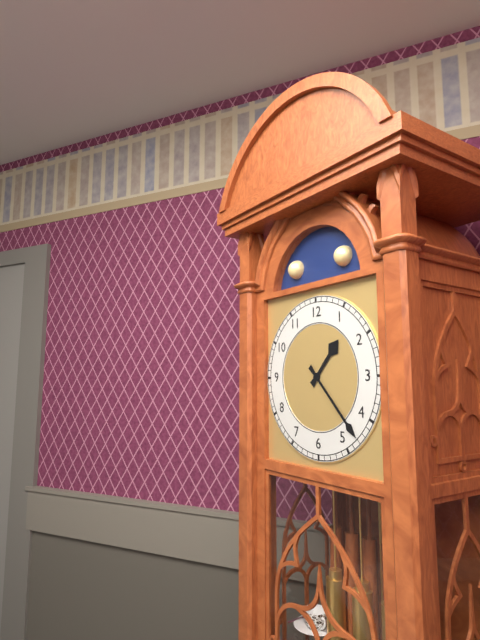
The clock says 1 h 23 min
